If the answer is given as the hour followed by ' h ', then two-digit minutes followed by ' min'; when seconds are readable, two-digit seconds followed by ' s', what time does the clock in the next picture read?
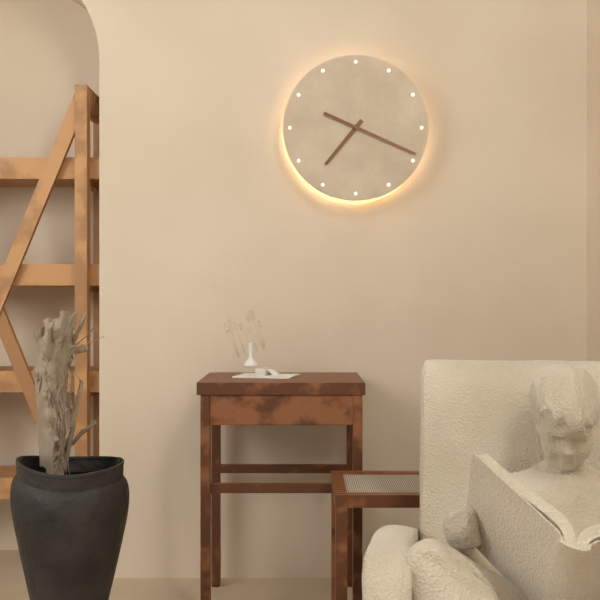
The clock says 7 h 19 min
